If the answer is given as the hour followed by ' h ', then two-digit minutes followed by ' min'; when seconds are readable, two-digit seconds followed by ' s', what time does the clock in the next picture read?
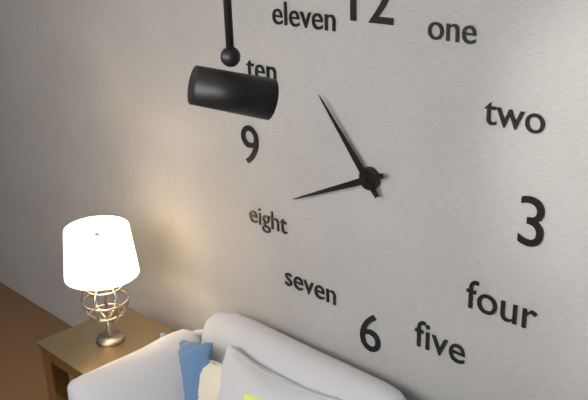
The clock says 10 h 41 min
